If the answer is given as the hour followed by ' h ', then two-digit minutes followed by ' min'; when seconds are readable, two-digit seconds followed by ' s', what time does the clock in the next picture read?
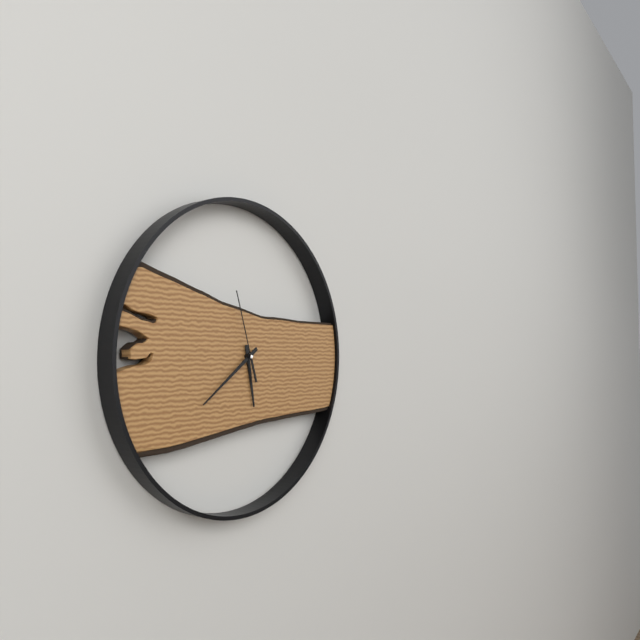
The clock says 5 h 39 min 57 s
